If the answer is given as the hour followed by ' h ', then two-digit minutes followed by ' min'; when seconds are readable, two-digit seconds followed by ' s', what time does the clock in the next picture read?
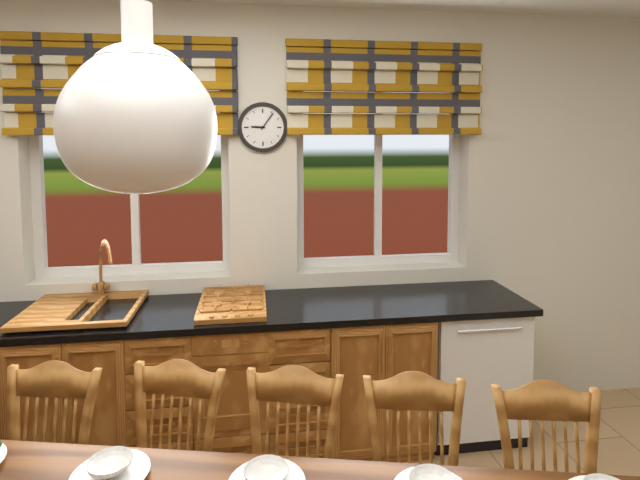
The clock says 9 h 06 min
